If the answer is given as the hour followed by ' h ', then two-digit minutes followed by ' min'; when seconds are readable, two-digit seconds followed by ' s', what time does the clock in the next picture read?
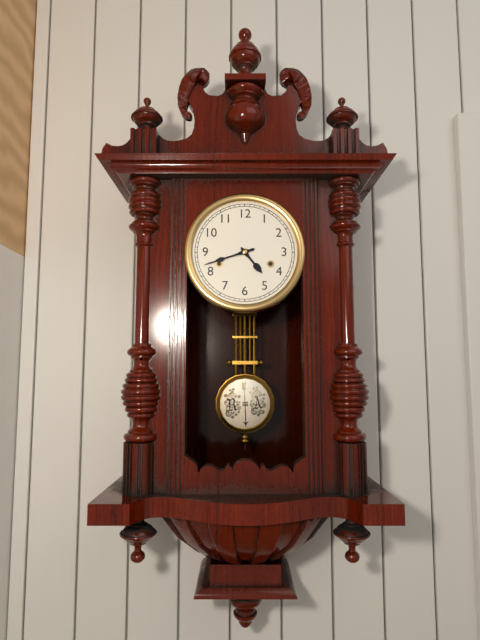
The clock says 4 h 42 min
